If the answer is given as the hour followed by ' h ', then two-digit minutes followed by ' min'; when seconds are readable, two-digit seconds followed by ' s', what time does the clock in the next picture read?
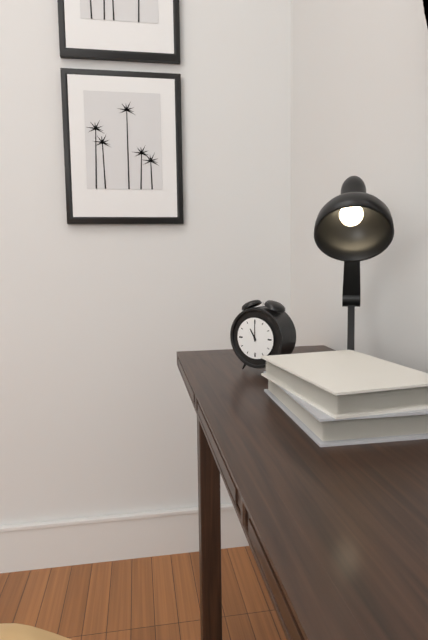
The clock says 11 h 00 min
